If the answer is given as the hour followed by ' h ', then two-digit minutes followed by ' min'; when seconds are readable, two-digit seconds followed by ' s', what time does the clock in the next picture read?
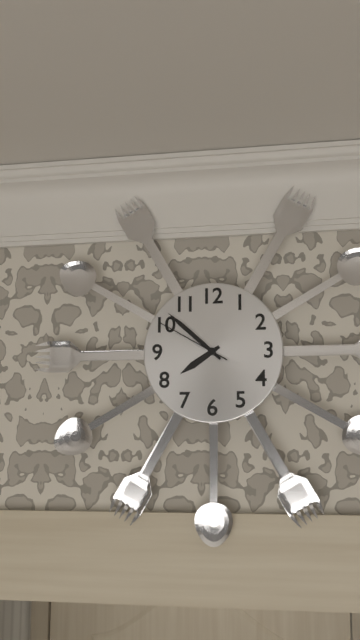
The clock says 7 h 52 min 50 s
